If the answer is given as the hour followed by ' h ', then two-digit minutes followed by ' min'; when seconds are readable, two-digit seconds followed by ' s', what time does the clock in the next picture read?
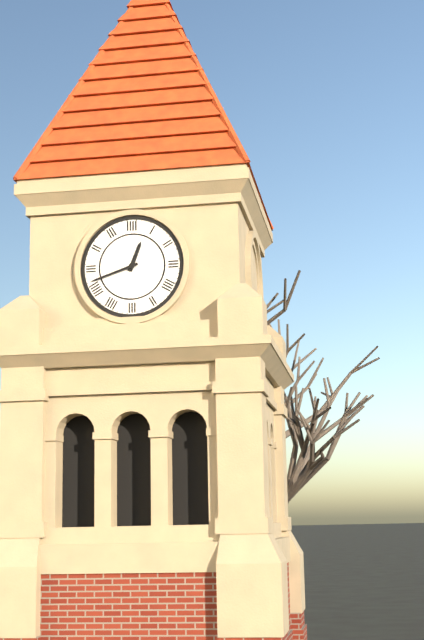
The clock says 12 h 42 min
